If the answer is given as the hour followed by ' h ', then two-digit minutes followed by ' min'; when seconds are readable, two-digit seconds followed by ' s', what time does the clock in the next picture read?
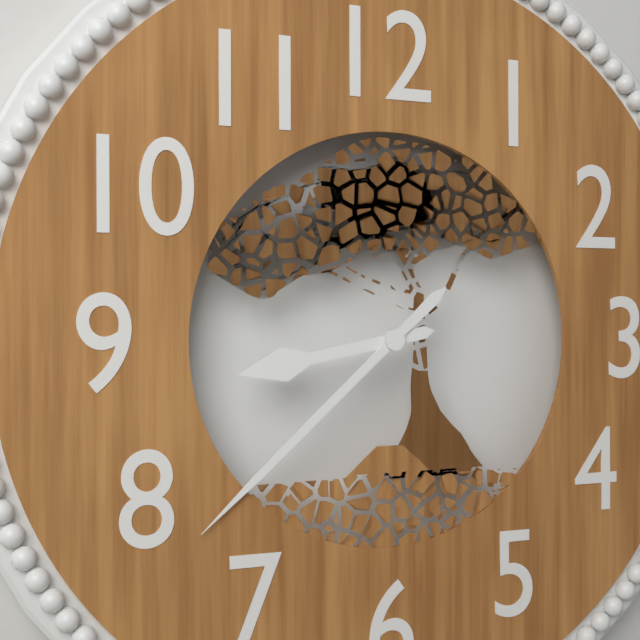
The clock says 8 h 38 min
